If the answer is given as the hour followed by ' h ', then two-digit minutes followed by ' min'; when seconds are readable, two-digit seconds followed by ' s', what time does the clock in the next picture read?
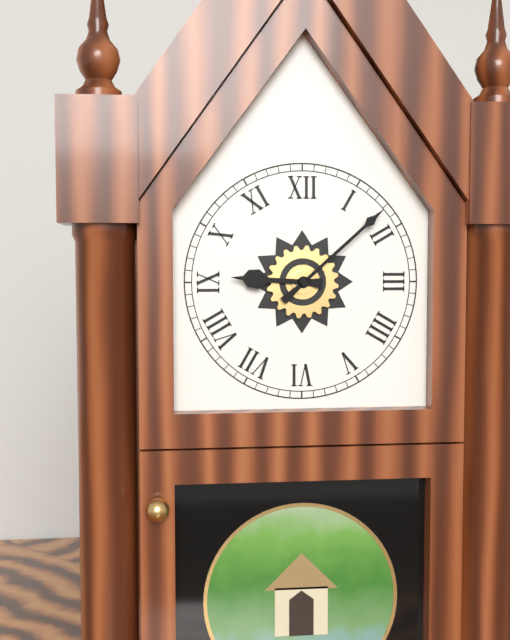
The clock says 9 h 08 min
